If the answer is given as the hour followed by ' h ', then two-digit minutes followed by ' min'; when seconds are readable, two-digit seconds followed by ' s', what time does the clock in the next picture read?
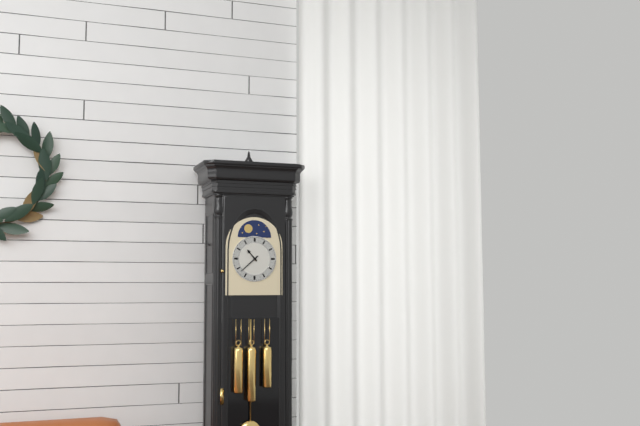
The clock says 10 h 38 min
